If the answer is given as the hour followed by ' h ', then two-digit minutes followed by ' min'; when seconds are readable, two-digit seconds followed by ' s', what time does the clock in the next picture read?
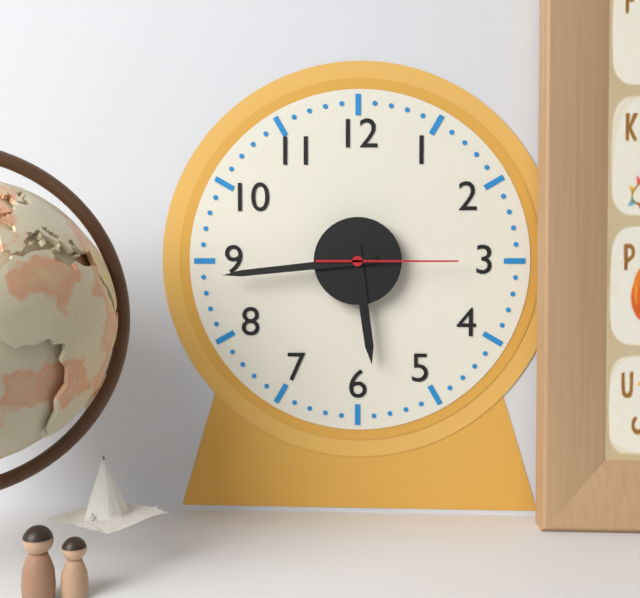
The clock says 5 h 44 min 15 s
